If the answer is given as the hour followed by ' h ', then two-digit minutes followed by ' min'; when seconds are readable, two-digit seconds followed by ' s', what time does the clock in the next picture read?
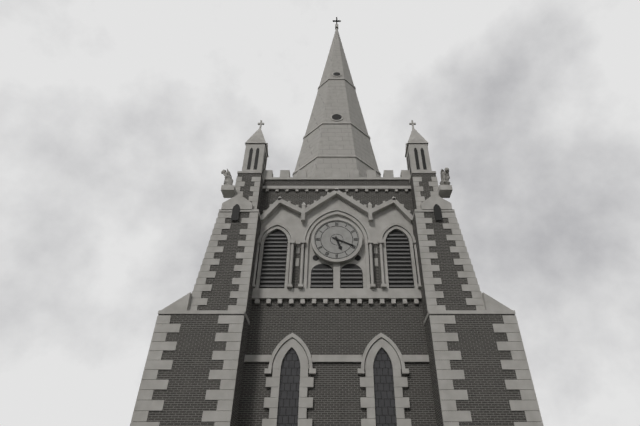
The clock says 5 h 19 min
